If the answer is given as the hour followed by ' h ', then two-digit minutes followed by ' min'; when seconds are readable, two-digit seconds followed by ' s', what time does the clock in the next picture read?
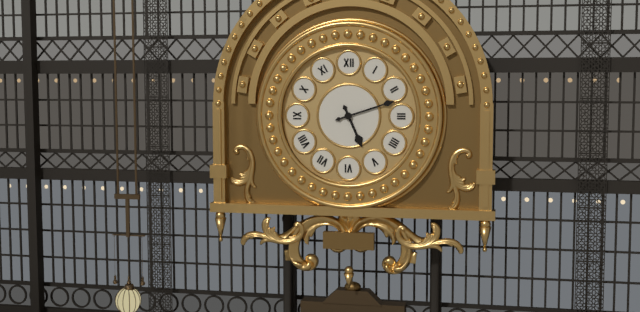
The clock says 5 h 12 min
